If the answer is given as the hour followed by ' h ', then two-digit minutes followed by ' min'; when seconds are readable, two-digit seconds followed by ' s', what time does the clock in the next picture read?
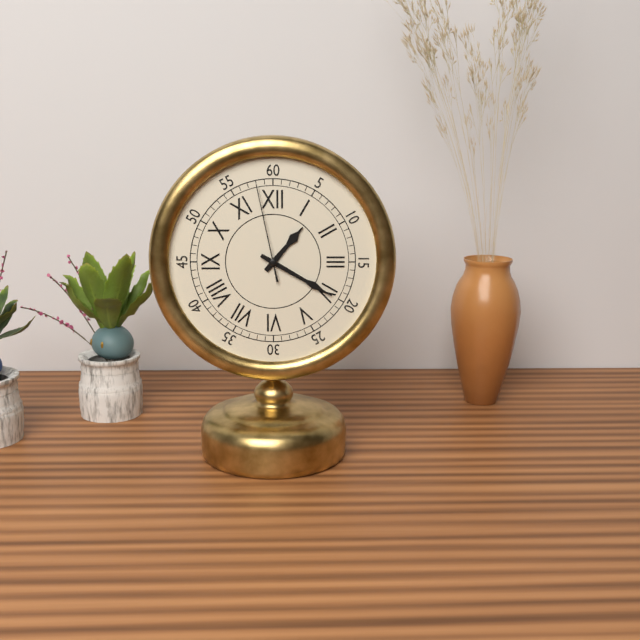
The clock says 1 h 20 min 58 s
